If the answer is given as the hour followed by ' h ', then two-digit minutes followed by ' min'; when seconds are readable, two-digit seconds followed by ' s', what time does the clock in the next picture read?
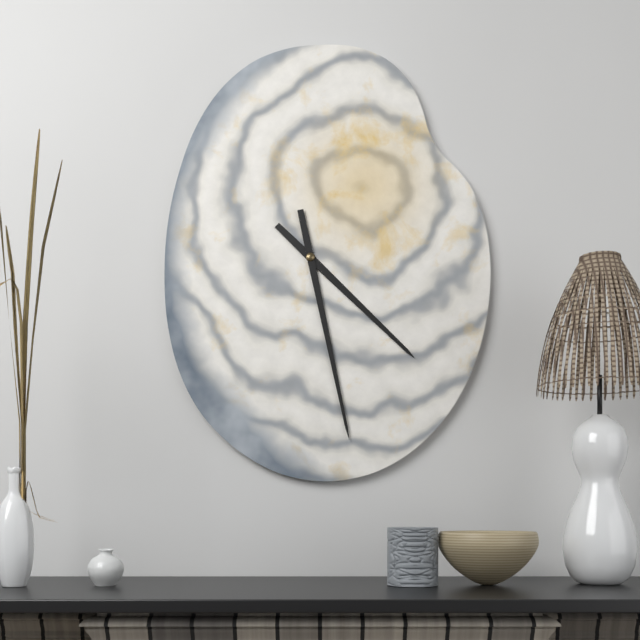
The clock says 4 h 28 min
